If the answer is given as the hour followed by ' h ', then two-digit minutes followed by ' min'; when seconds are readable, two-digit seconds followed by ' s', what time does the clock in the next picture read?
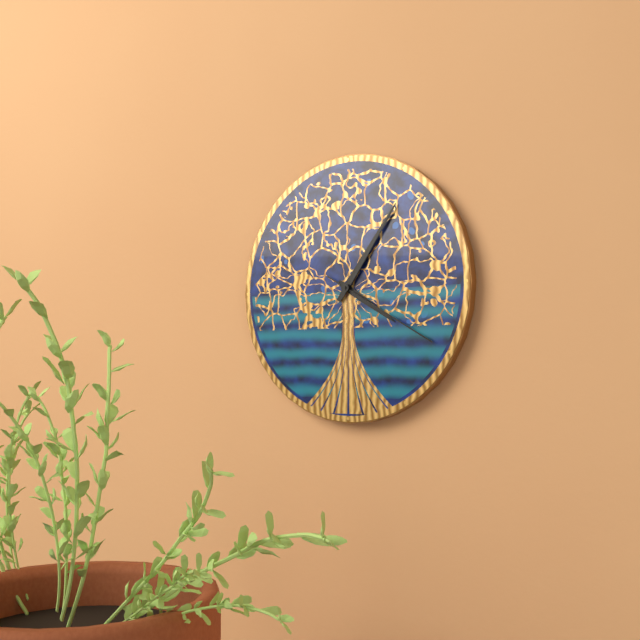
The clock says 4 h 06 min 20 s
